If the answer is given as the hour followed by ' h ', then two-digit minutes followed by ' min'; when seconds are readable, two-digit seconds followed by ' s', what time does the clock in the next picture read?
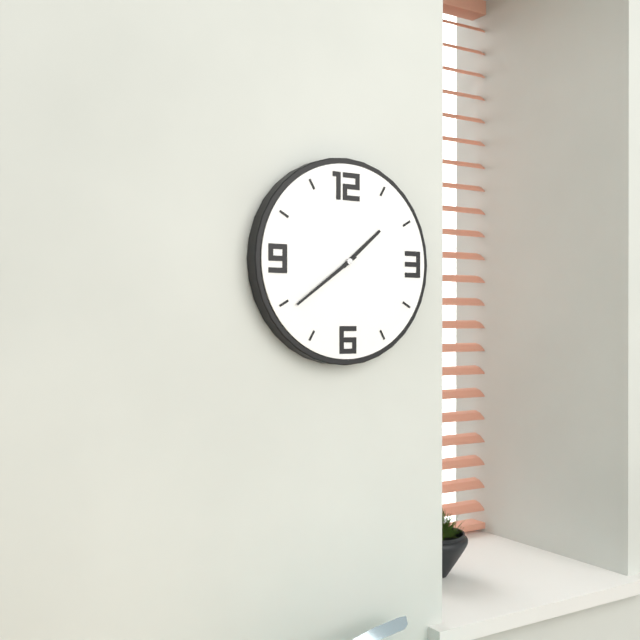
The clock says 1 h 39 min
